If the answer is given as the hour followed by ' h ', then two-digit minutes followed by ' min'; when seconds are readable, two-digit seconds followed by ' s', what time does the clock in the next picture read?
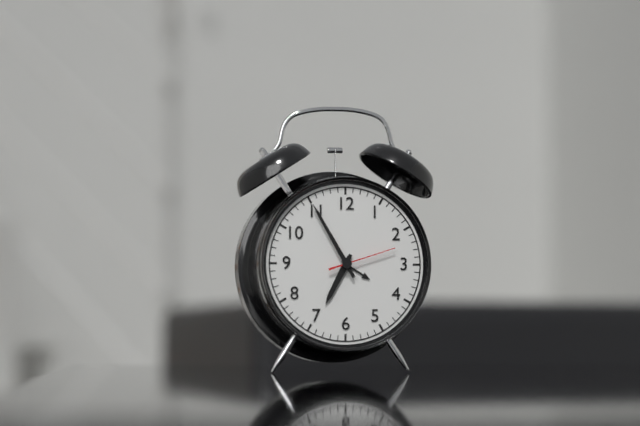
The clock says 6 h 55 min 12 s
